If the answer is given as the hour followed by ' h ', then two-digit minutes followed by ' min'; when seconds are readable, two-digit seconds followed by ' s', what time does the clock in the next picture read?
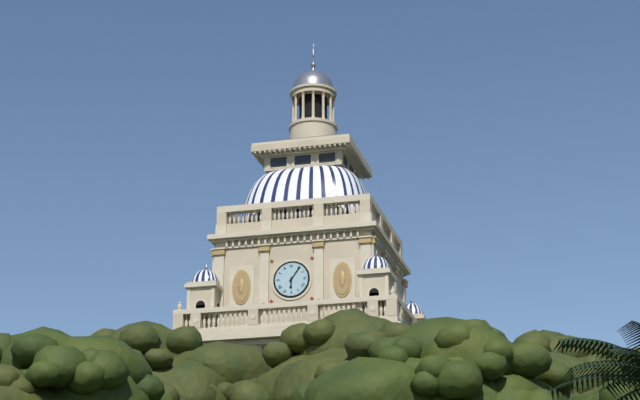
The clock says 6 h 06 min
